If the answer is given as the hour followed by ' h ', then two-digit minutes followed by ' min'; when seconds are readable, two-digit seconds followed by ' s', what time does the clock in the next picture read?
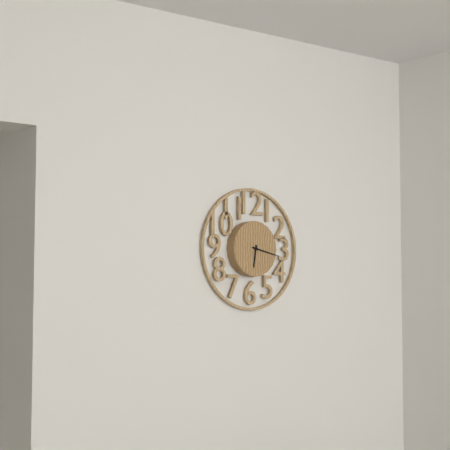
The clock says 6 h 17 min
